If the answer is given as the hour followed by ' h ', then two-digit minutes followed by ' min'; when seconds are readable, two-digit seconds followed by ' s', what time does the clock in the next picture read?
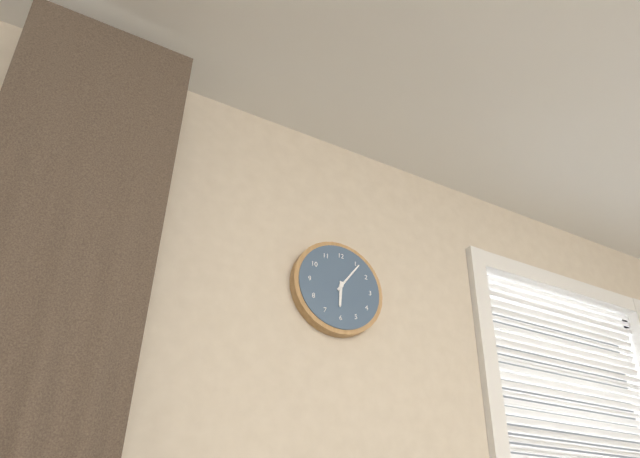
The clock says 6 h 06 min
